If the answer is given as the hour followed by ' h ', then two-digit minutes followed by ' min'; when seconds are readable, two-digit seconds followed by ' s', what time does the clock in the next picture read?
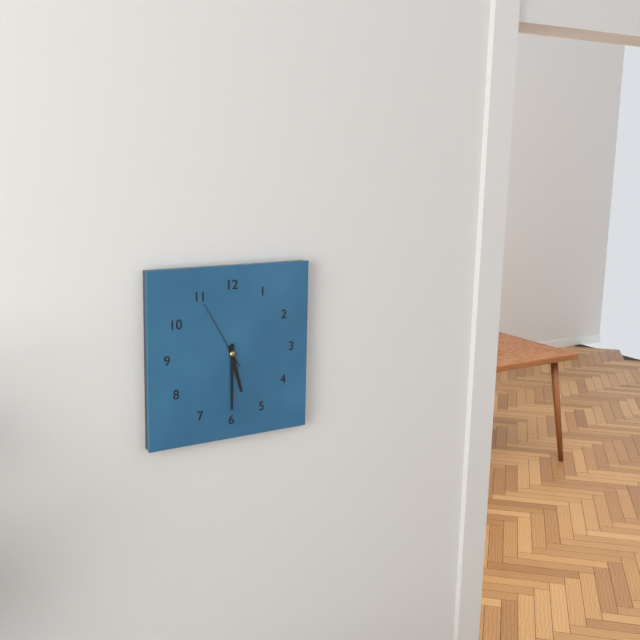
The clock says 5 h 30 min 55 s
